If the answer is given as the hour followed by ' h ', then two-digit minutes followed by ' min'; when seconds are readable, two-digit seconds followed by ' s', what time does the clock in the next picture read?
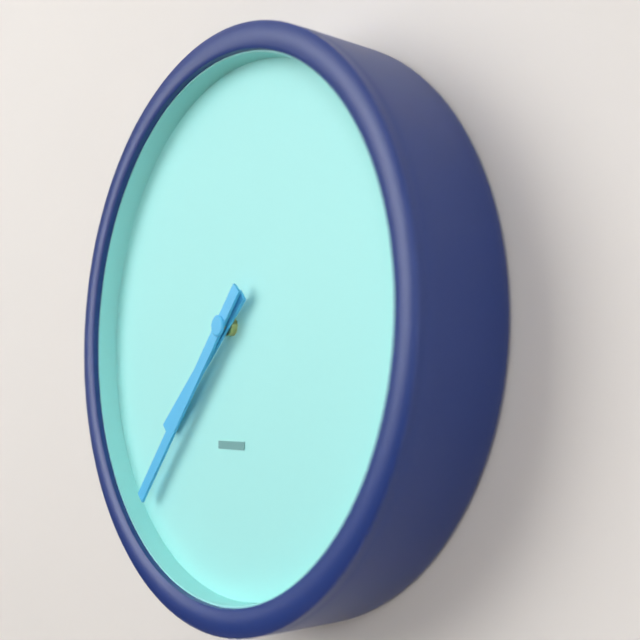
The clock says 7 h 37 min
